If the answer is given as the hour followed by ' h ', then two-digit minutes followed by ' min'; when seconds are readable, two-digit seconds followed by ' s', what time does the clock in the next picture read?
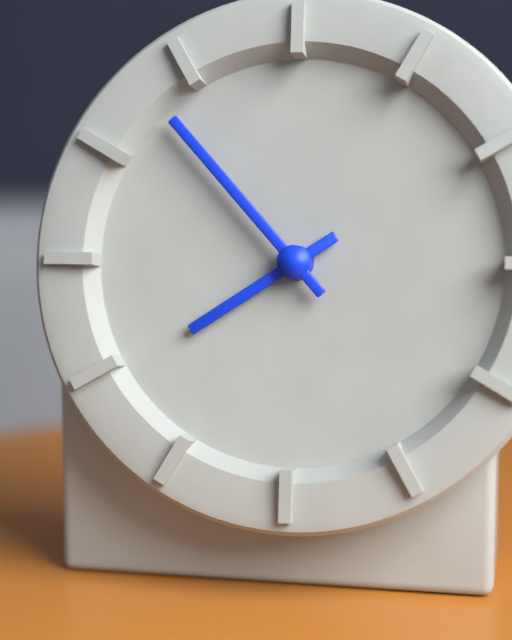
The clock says 7 h 53 min
